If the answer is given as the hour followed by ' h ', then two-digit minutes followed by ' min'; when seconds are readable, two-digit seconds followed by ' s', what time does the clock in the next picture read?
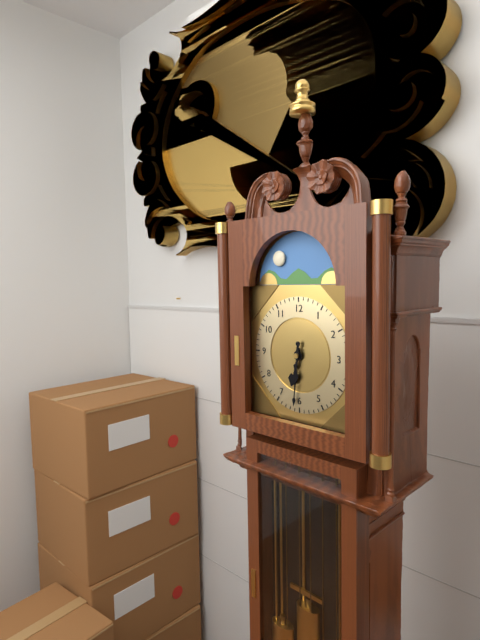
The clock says 6 h 31 min
